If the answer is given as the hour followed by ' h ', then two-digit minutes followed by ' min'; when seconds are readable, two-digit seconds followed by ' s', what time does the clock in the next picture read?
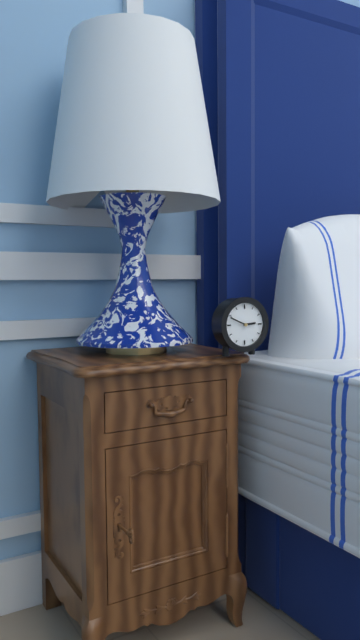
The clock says 2 h 49 min
